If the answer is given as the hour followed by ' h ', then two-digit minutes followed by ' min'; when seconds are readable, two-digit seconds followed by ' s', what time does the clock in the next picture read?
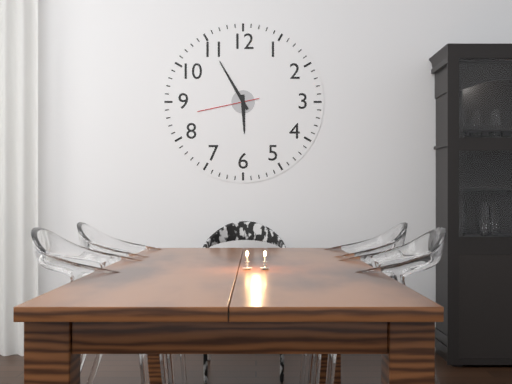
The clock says 5 h 55 min 43 s
